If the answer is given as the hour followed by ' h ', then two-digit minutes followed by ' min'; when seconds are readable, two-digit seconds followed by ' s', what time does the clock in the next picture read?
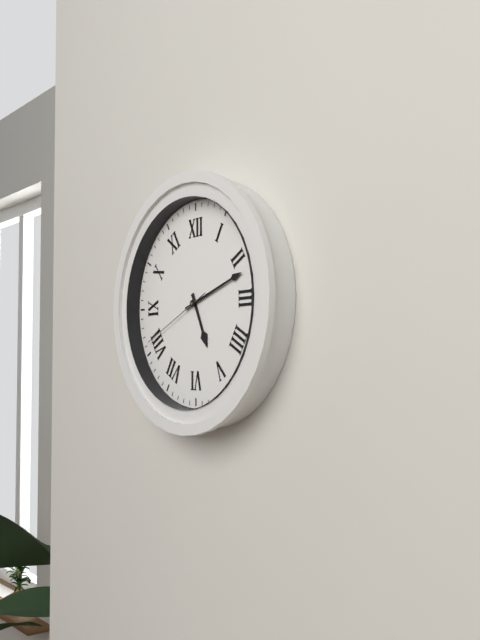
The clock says 5 h 12 min 41 s
